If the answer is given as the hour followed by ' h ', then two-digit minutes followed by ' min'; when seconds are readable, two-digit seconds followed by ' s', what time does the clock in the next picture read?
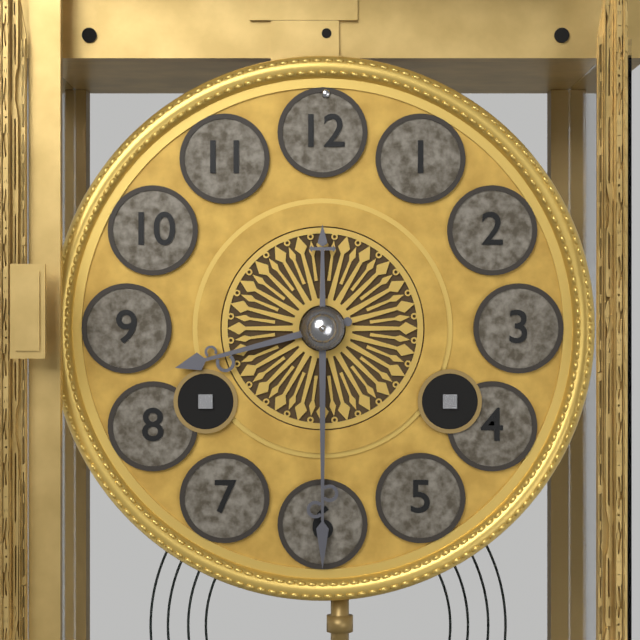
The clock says 8 h 30 min
